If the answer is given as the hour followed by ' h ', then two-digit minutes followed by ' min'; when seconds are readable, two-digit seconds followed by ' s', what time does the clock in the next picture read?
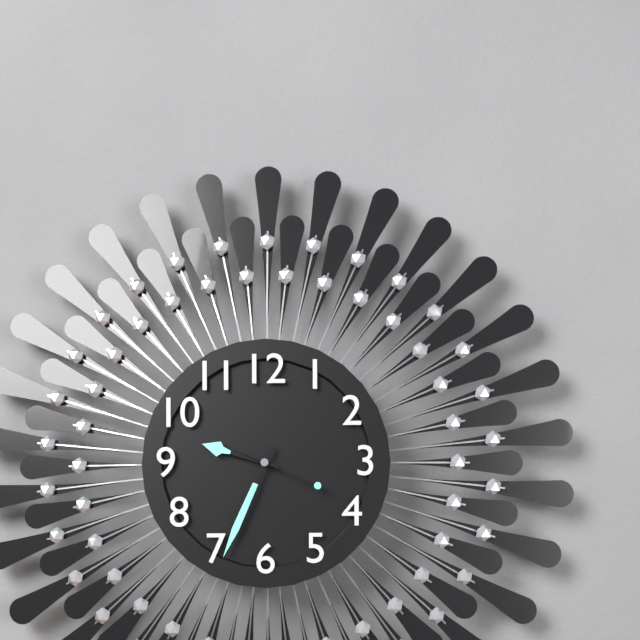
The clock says 9 h 34 min 19 s
